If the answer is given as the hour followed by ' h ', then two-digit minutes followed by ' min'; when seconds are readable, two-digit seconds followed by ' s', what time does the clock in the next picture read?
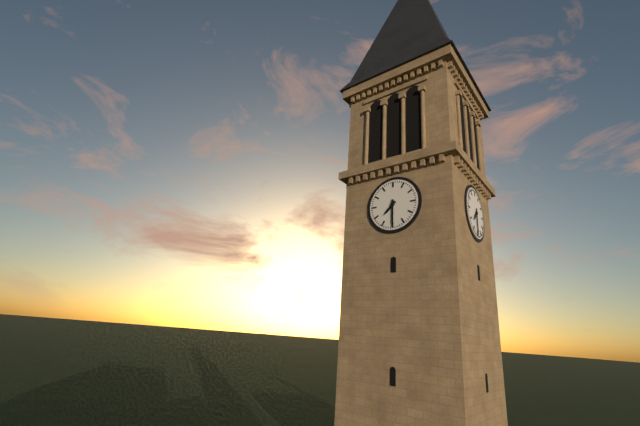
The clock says 7 h 30 min
